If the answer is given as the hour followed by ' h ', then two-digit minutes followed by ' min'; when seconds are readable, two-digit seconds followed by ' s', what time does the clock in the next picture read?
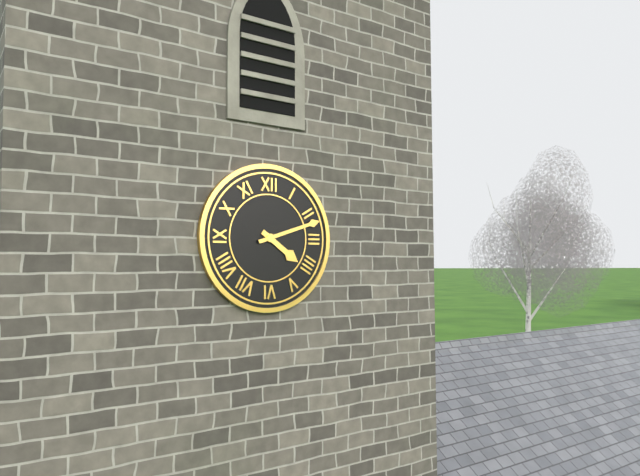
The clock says 4 h 12 min
